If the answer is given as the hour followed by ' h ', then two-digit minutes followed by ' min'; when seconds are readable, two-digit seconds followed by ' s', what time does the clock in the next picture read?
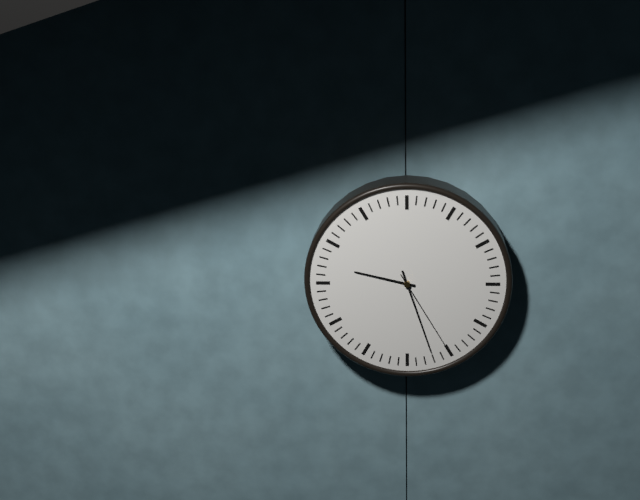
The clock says 9 h 27 min 25 s
